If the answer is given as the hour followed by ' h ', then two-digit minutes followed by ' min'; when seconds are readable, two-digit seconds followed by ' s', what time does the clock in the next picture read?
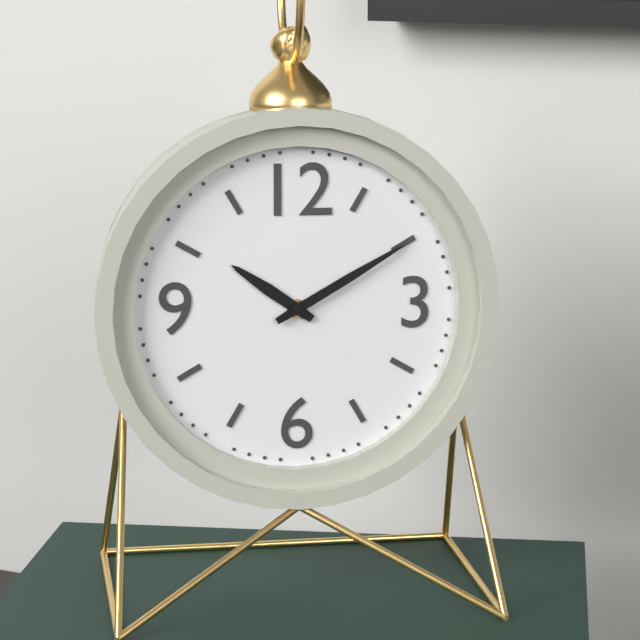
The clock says 10 h 10 min
